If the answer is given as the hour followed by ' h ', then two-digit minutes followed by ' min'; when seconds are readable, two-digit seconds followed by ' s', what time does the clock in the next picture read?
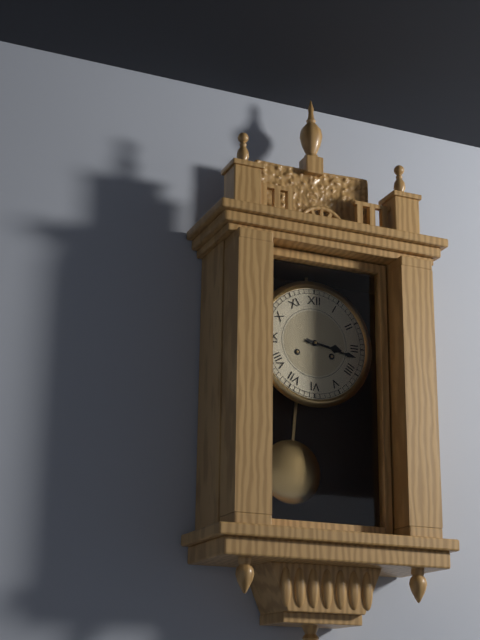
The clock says 3 h 17 min
